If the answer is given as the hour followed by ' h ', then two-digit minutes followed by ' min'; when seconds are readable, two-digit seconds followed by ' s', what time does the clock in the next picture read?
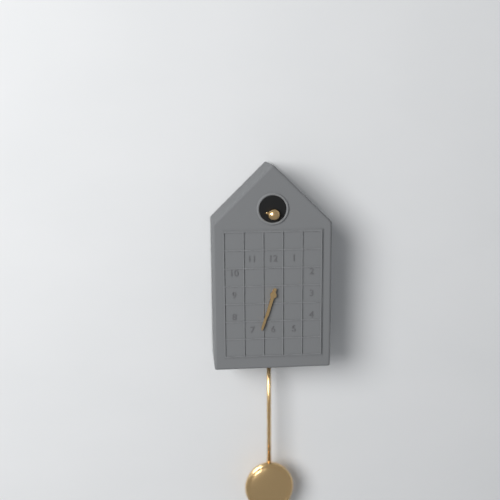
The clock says 6 h 33 min
